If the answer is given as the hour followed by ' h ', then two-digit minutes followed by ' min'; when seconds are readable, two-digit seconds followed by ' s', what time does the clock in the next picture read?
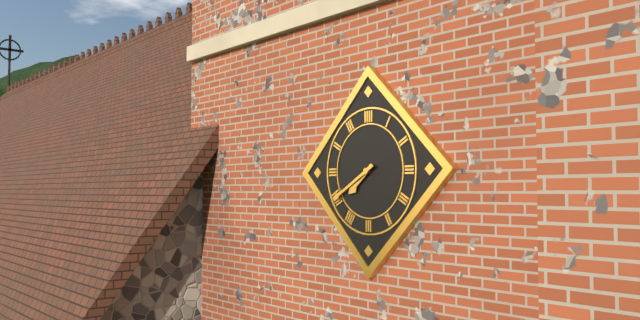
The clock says 7 h 40 min
